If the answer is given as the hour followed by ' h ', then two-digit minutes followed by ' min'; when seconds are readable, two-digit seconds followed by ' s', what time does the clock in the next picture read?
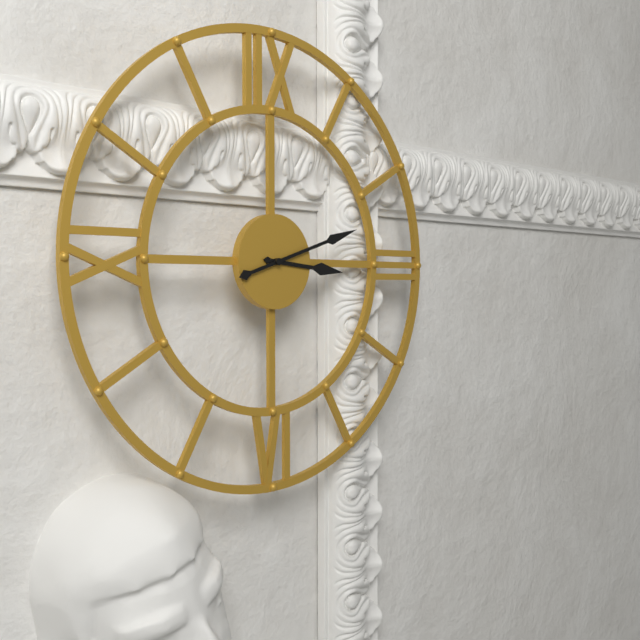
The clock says 3 h 12 min
